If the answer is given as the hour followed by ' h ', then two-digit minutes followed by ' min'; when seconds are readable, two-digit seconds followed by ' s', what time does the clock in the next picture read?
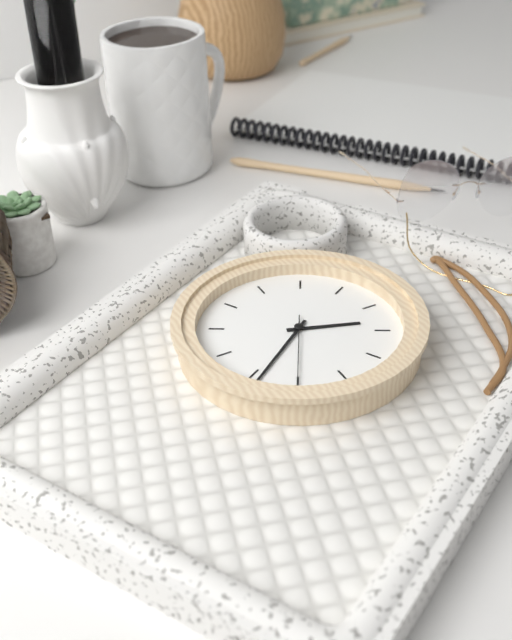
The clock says 3 h 39 min 35 s
